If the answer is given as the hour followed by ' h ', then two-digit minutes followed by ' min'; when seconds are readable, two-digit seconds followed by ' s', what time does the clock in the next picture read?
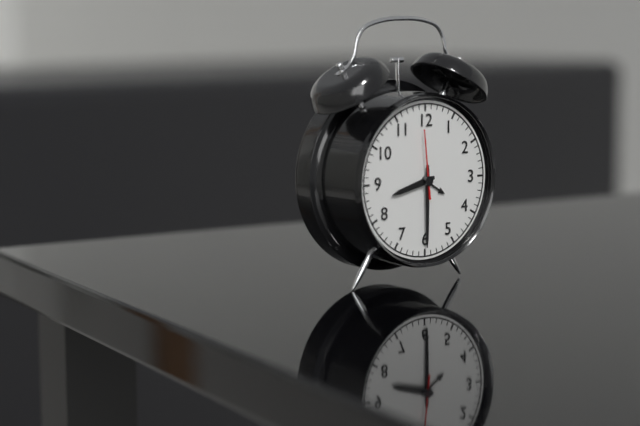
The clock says 8 h 30 min 59 s
